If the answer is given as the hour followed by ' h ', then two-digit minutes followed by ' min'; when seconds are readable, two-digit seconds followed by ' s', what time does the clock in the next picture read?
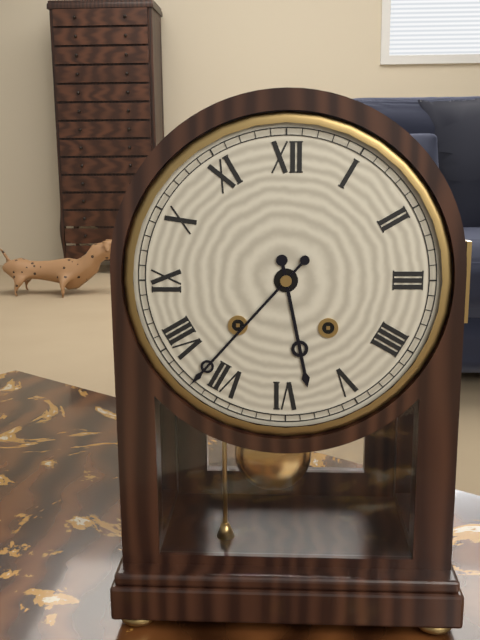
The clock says 5 h 37 min
